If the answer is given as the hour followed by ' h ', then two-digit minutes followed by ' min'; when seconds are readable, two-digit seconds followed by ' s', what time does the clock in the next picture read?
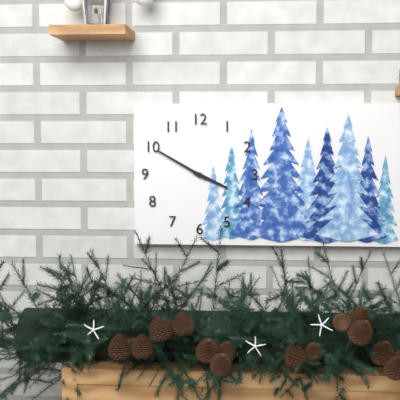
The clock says 3 h 50 min
